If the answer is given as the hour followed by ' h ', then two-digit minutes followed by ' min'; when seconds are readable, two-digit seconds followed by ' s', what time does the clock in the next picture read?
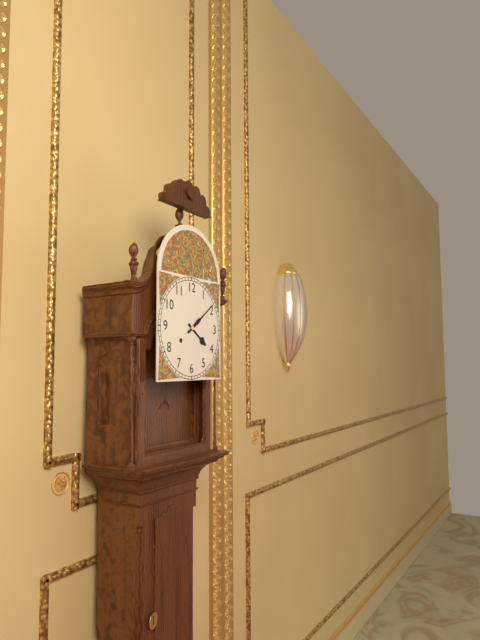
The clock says 4 h 09 min
